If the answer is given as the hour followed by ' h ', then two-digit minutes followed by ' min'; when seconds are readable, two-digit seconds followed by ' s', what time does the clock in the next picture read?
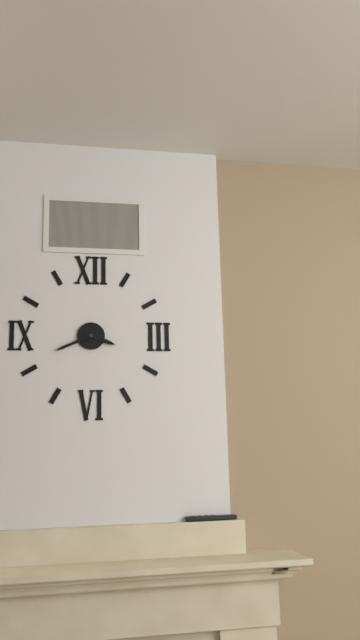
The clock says 3 h 41 min
